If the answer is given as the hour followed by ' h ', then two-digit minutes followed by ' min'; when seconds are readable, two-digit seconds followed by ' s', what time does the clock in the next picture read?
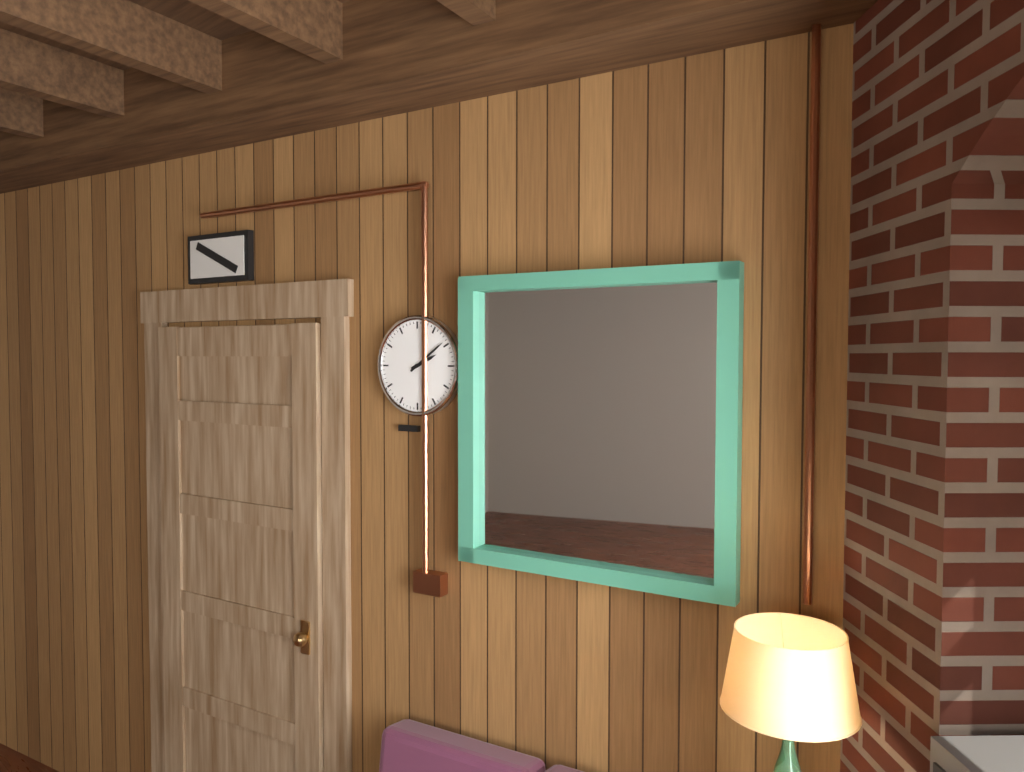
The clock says 2 h 09 min
